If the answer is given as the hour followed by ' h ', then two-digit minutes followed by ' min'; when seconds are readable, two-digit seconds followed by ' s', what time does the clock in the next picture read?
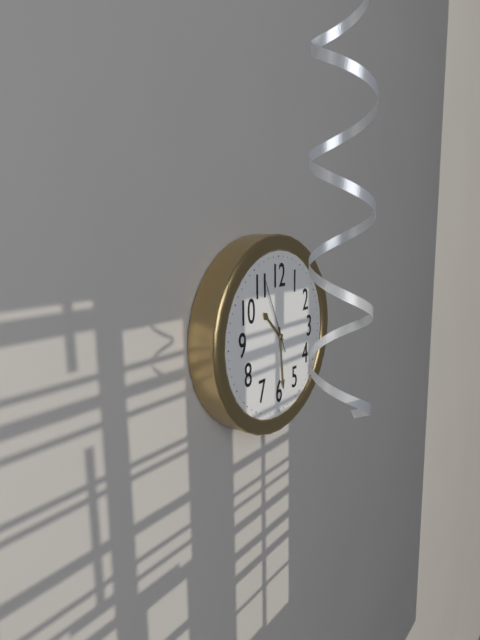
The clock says 10 h 29 min 56 s
